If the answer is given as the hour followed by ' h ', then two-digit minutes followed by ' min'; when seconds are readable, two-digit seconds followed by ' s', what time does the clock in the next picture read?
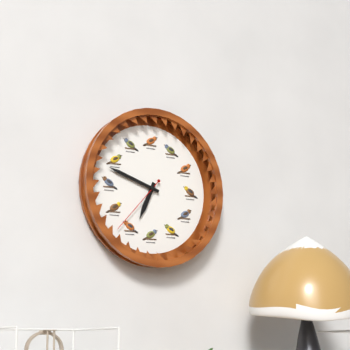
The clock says 6 h 48 min 37 s
